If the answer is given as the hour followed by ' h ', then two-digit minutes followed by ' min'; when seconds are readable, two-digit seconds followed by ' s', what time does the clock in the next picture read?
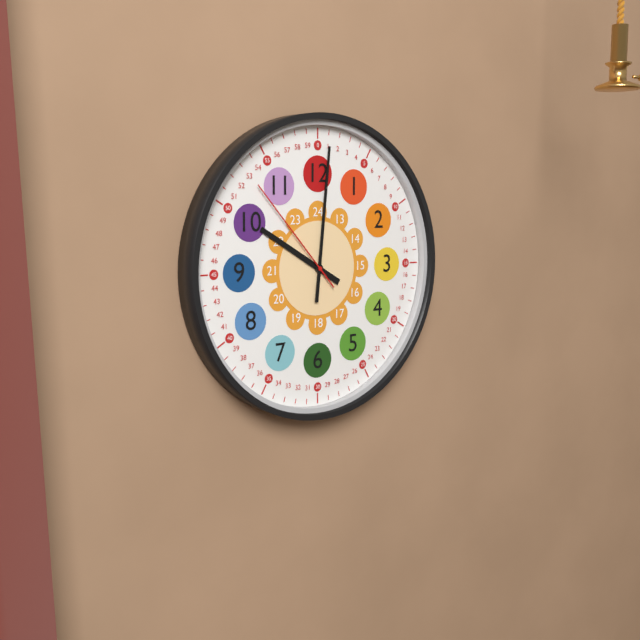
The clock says 10 h 01 min 53 s
